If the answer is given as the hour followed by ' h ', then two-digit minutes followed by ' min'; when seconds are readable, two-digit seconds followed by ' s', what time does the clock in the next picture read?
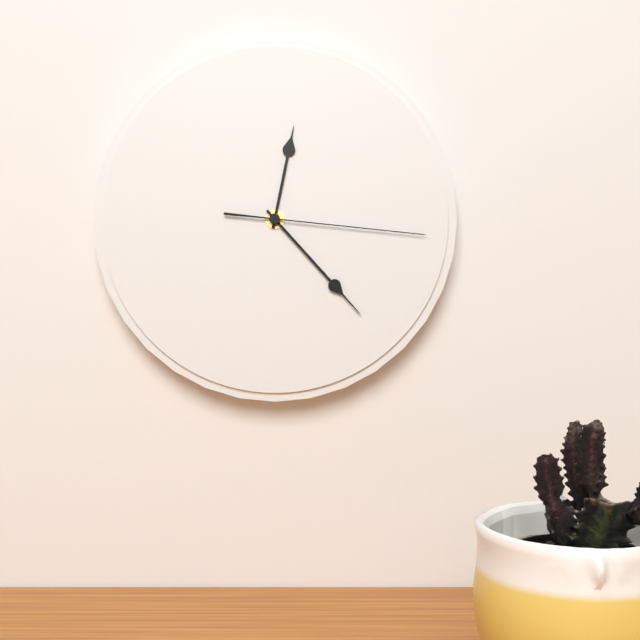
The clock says 12 h 23 min 16 s
